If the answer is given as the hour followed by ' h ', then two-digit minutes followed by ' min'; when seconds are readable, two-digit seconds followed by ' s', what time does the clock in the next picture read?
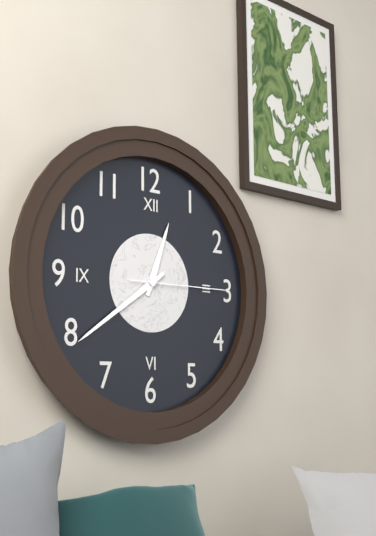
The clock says 12 h 39 min 15 s
